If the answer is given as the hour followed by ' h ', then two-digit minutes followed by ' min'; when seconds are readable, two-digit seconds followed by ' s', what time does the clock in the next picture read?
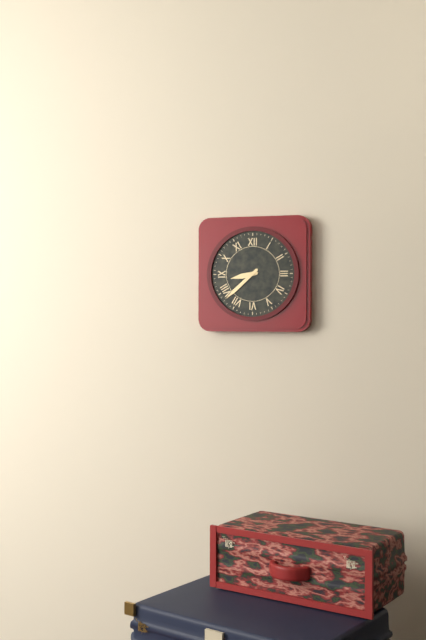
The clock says 8 h 38 min
